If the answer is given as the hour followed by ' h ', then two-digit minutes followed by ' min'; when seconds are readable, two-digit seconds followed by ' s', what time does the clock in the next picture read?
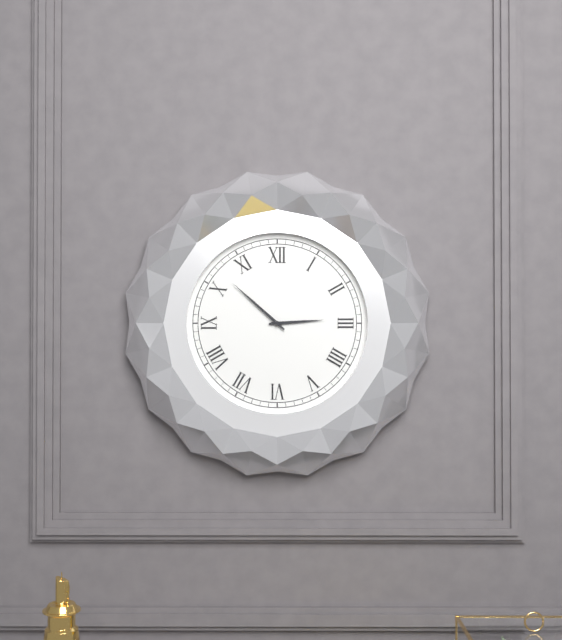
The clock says 2 h 52 min
